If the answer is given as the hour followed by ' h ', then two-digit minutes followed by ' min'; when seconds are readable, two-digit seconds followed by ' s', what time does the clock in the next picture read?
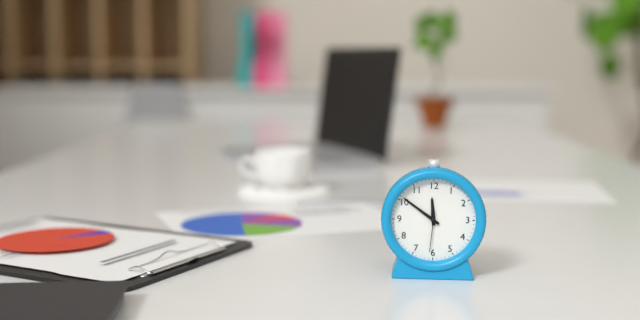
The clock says 11 h 51 min
